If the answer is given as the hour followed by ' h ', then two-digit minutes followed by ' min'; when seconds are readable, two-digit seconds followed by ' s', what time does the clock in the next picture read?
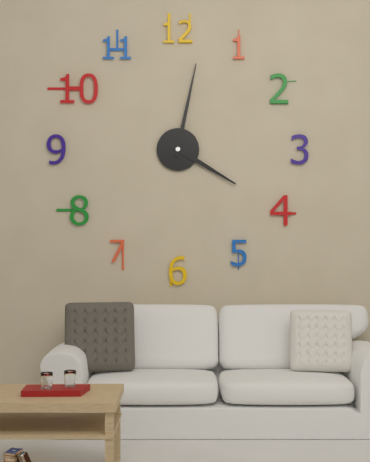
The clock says 4 h 02 min
